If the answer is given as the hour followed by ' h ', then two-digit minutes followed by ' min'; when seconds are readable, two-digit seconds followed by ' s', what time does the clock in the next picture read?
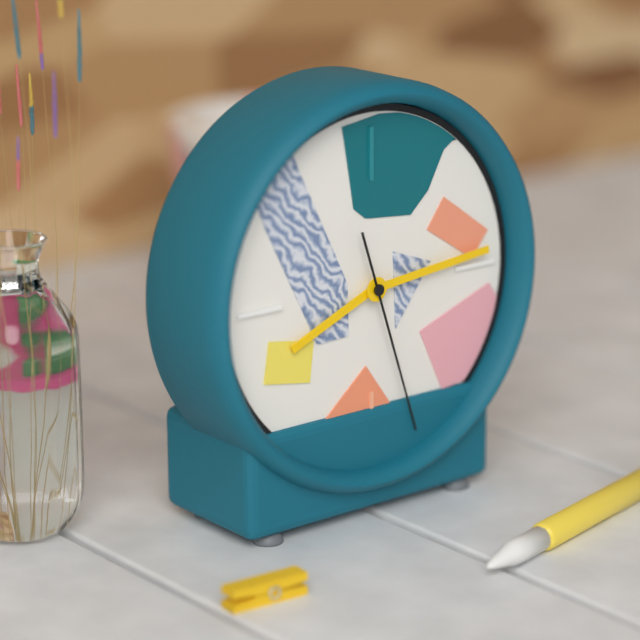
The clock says 8 h 14 min 27 s
